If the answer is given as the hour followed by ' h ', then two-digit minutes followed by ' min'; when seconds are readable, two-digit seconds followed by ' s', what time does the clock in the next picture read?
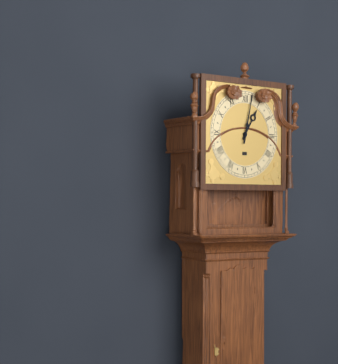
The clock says 1 h 02 min
